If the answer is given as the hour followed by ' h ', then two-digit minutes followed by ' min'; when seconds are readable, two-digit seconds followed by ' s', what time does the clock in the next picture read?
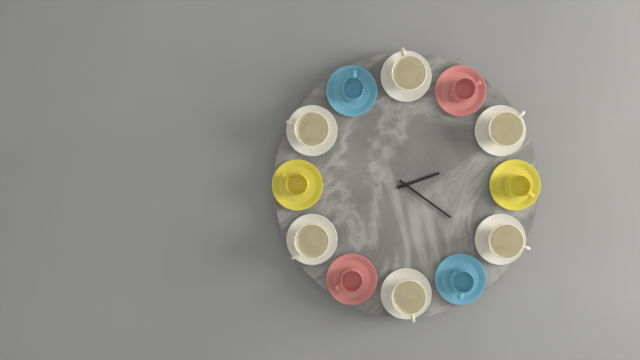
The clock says 2 h 21 min
